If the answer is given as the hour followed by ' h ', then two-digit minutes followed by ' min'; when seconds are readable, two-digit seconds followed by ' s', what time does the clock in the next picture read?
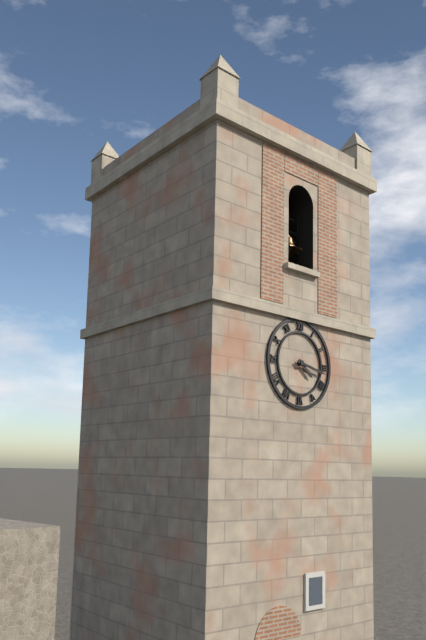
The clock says 4 h 17 min
